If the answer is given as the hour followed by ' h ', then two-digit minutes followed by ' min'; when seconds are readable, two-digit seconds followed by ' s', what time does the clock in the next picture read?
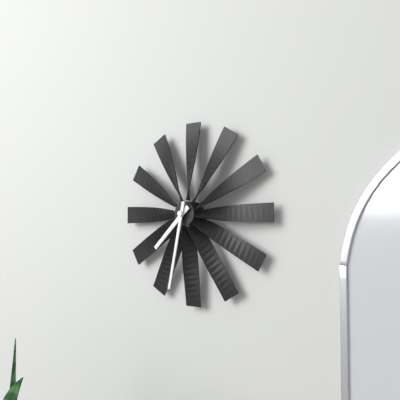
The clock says 7 h 32 min
